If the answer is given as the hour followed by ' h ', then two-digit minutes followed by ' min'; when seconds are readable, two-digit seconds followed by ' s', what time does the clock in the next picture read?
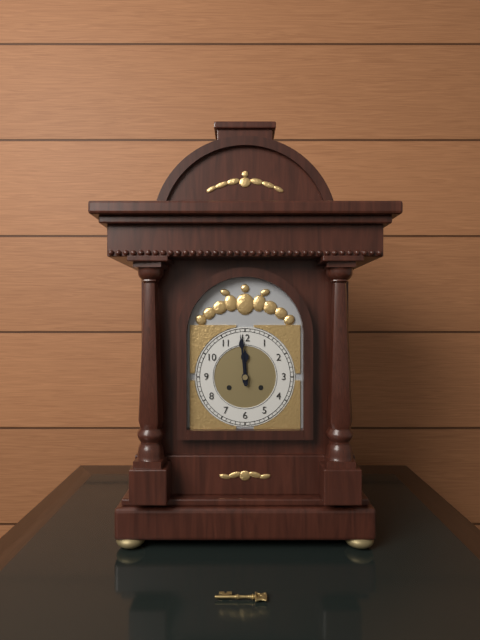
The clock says 11 h 59 min
